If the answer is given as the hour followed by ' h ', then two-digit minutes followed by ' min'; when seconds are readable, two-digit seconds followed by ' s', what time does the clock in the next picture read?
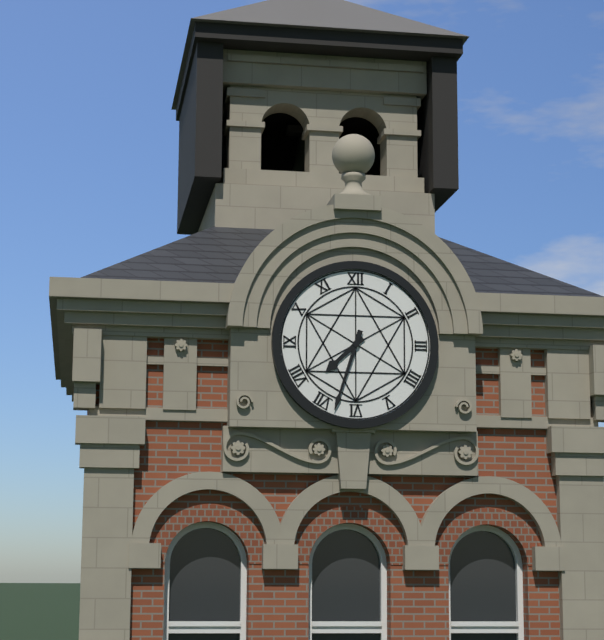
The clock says 7 h 33 min
